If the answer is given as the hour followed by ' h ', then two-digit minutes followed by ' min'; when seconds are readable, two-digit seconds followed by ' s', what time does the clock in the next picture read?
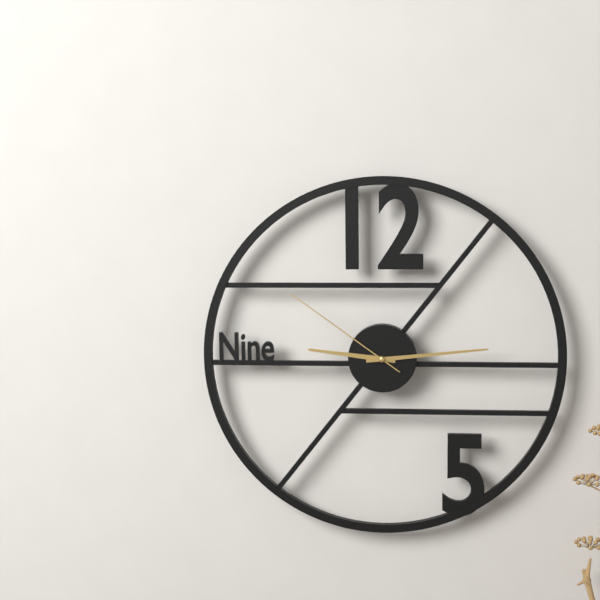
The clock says 9 h 14 min 51 s
